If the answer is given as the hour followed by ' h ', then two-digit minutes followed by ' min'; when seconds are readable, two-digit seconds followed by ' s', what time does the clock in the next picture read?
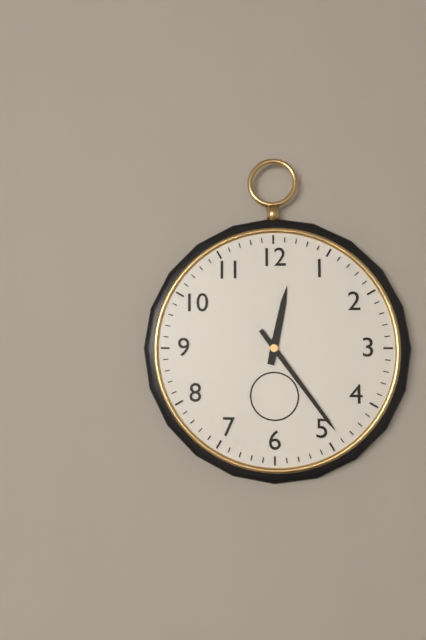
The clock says 12 h 24 min
